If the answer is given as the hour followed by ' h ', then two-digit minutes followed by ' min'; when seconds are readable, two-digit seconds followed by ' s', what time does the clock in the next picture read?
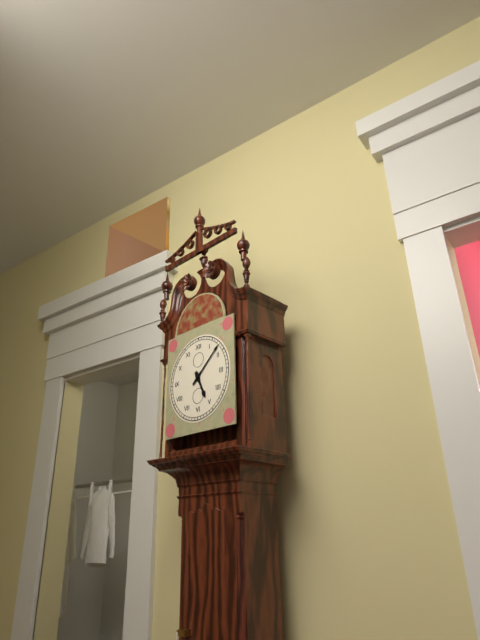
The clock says 5 h 08 min
